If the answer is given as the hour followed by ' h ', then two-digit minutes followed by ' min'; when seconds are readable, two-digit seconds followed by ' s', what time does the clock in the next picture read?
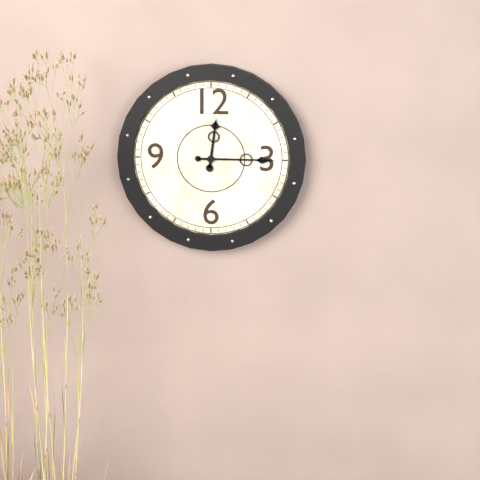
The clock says 12 h 15 min
